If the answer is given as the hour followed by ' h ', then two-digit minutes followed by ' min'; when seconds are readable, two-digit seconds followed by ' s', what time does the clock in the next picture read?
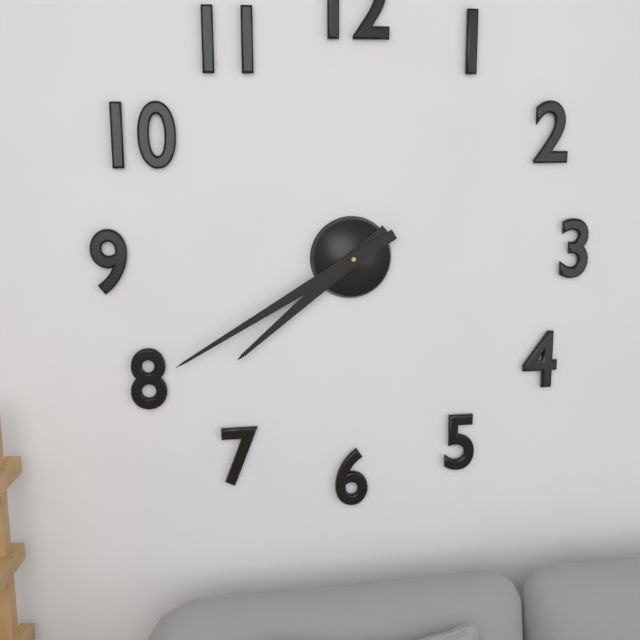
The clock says 7 h 40 min
